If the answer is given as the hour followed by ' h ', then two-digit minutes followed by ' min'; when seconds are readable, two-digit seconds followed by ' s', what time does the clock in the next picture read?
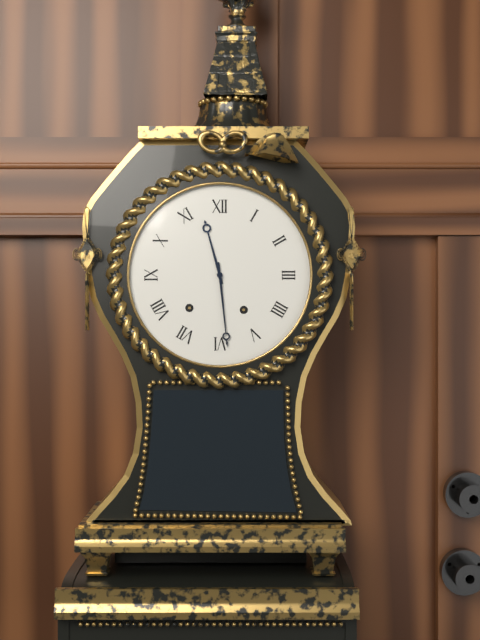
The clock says 11 h 29 min
